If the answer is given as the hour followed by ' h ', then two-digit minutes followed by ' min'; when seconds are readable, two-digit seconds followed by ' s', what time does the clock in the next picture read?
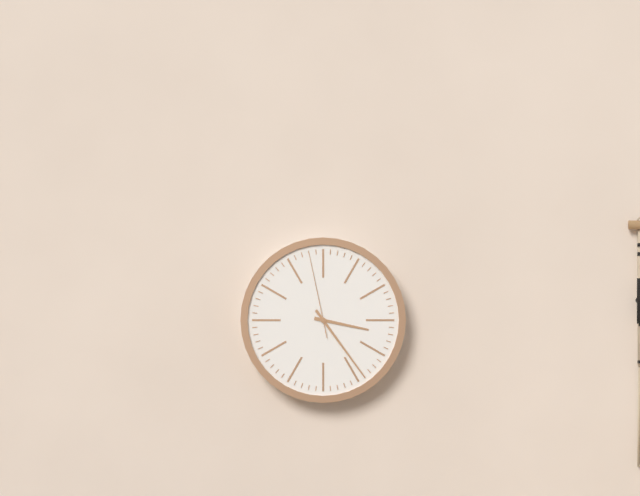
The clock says 3 h 24 min 58 s
